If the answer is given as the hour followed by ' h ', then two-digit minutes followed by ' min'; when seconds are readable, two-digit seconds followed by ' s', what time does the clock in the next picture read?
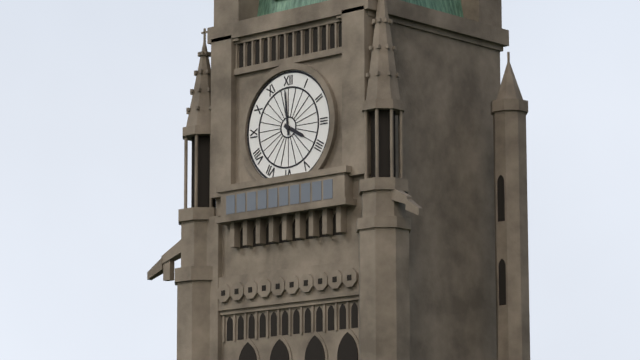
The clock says 3 h 59 min
